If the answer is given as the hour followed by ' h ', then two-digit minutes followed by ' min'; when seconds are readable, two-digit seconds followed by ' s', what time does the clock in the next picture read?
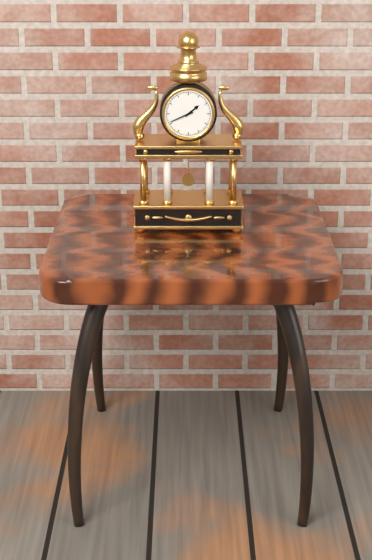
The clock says 1 h 41 min
